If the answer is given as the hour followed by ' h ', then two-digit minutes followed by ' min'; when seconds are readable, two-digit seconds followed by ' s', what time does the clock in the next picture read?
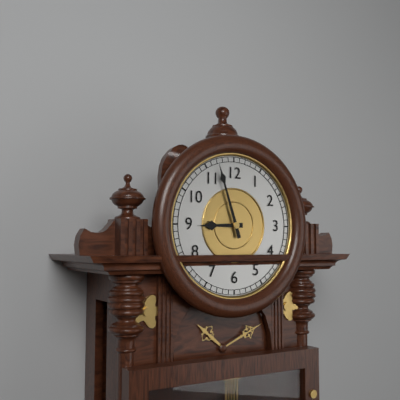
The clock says 8 h 57 min
